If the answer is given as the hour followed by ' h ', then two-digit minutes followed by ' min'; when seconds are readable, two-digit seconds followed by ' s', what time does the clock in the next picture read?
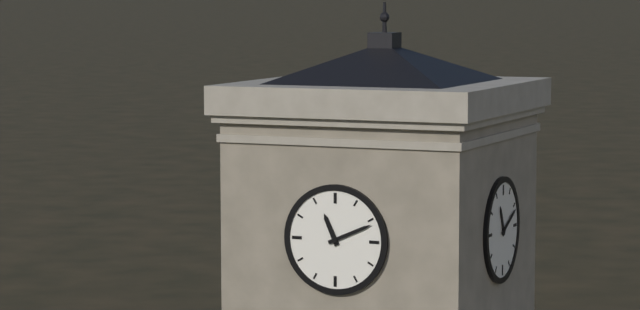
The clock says 11 h 11 min
